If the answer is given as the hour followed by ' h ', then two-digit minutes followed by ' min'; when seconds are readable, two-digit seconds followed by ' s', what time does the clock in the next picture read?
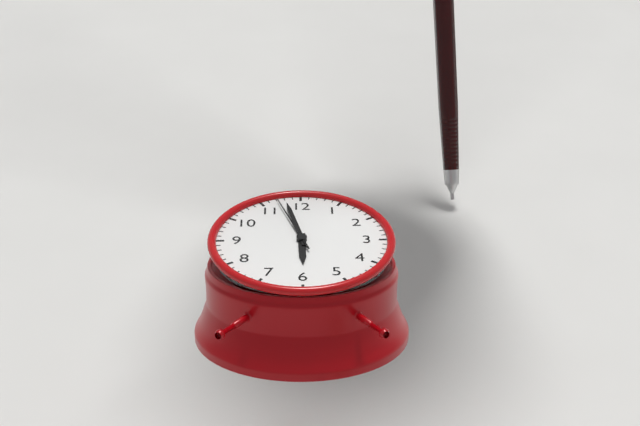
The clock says 5 h 58 min 57 s
